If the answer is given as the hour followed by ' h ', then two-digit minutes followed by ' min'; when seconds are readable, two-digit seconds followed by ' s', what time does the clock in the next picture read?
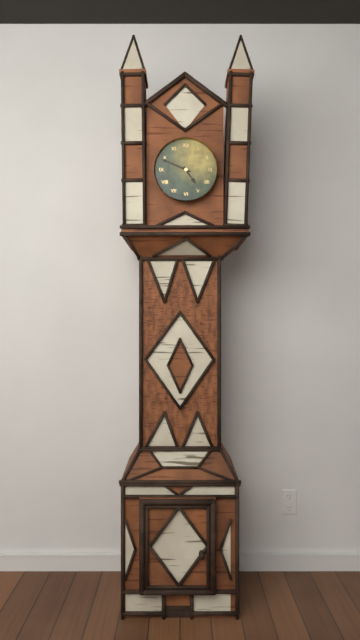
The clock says 4 h 49 min
